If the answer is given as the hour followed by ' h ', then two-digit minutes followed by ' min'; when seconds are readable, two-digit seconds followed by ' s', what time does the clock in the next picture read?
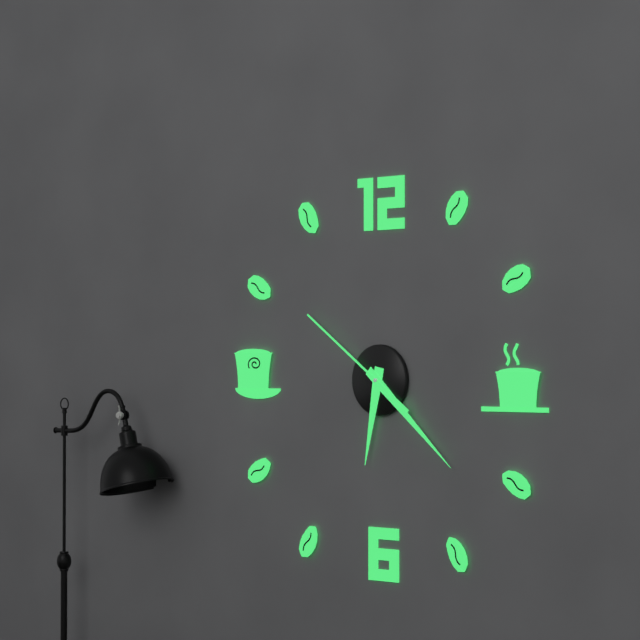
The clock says 6 h 22 min 51 s
